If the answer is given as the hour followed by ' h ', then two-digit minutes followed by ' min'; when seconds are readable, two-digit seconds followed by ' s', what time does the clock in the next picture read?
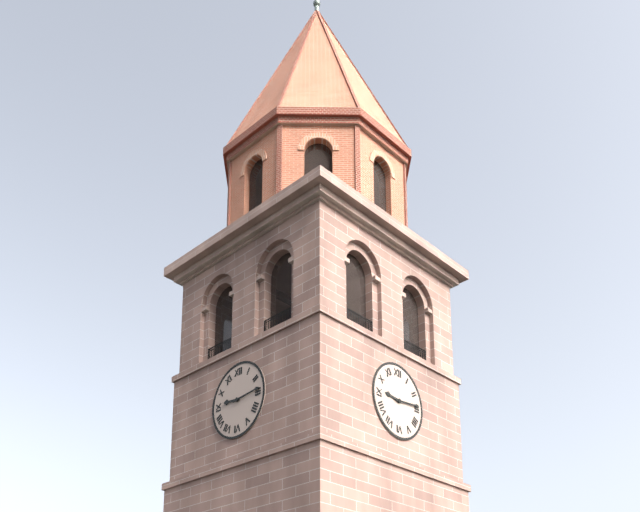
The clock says 9 h 14 min
